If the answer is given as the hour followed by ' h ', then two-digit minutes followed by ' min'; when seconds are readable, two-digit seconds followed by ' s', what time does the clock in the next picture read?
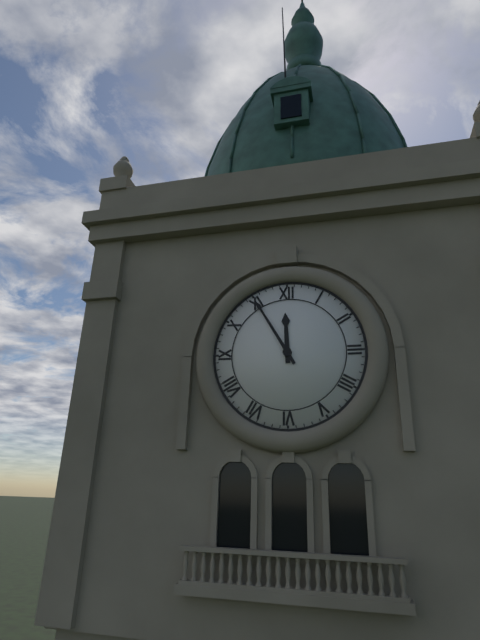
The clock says 11 h 55 min
